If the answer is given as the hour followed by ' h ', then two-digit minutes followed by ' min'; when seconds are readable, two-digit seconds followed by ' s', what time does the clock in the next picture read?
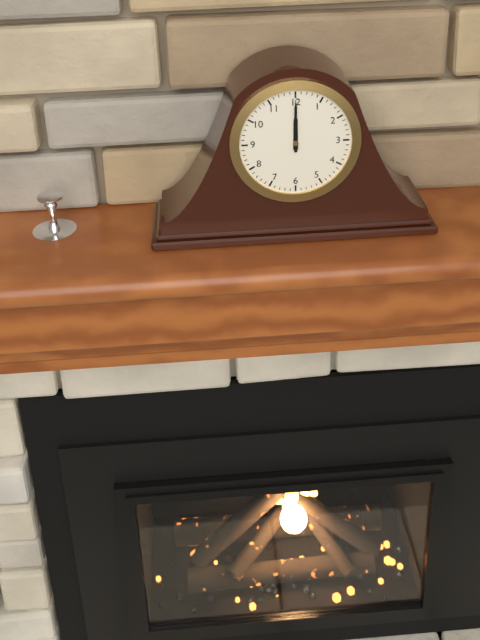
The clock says 12 h 00 min
